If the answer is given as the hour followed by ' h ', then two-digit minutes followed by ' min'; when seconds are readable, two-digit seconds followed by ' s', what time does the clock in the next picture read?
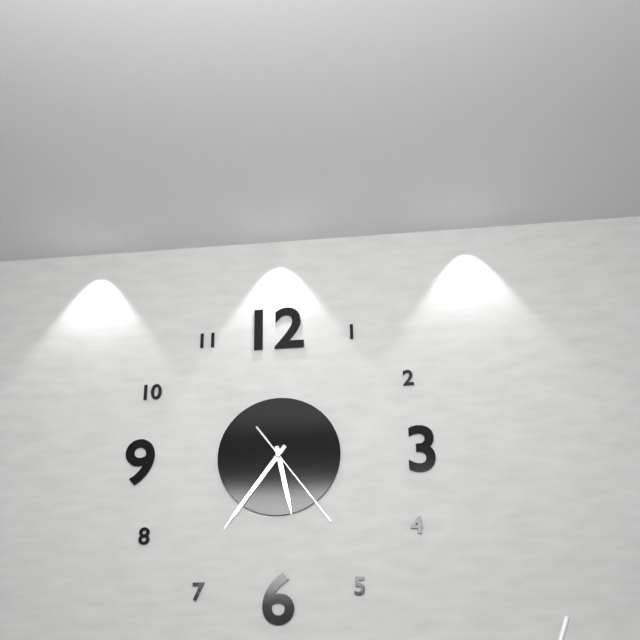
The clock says 5 h 36 min 24 s
